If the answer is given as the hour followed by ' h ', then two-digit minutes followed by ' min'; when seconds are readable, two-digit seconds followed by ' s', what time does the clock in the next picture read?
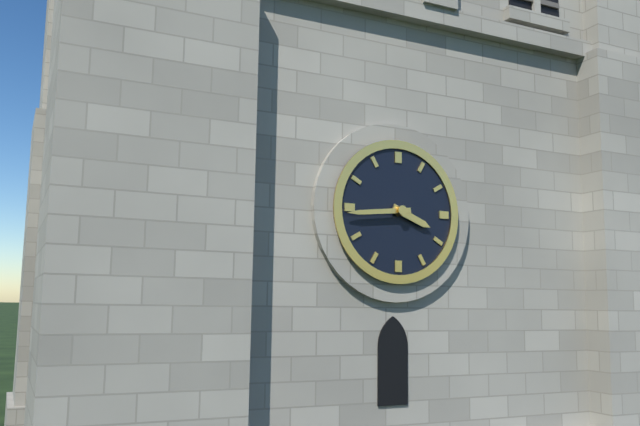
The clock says 3 h 44 min
